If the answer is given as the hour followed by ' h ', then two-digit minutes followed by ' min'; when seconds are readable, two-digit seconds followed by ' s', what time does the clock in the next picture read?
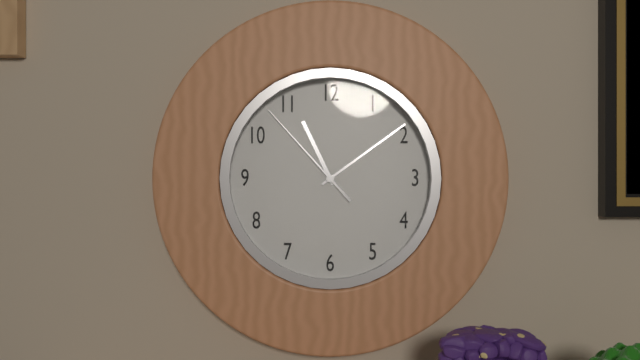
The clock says 11 h 09 min 53 s
